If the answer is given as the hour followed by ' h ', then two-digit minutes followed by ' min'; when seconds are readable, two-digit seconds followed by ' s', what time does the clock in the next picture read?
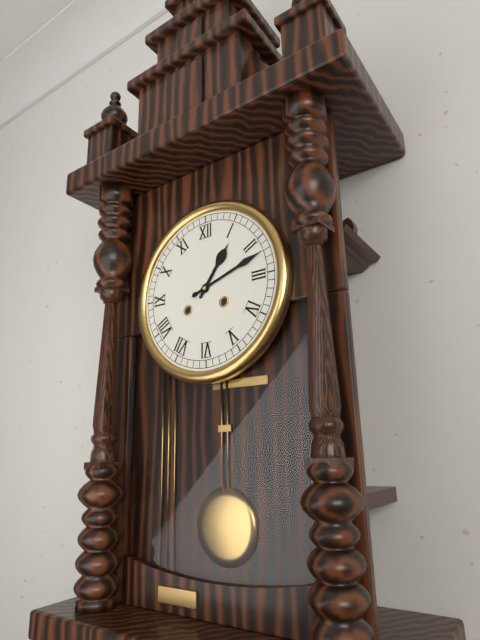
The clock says 1 h 12 min
